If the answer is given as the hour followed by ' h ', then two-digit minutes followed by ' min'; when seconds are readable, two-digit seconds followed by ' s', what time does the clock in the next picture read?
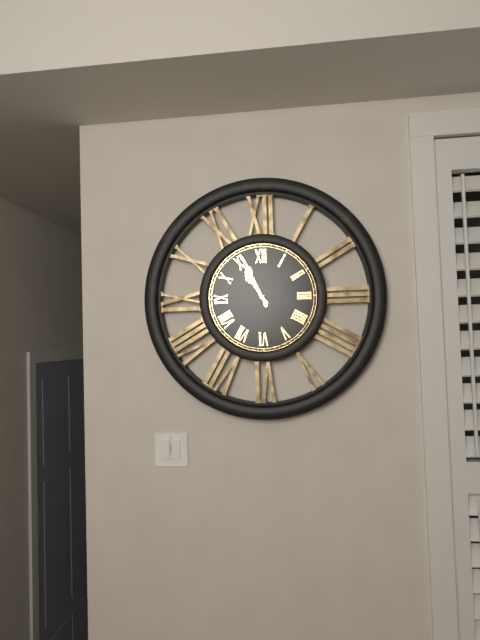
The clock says 10 h 56 min
